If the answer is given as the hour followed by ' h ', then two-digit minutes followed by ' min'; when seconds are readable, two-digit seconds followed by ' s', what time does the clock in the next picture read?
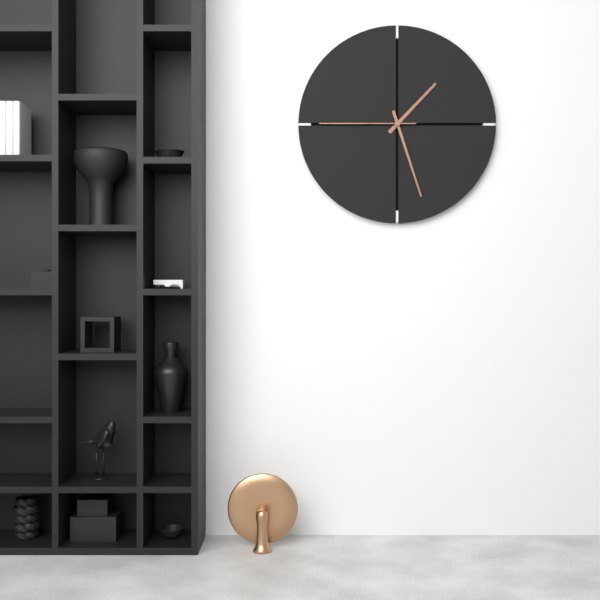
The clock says 1 h 27 min 45 s
